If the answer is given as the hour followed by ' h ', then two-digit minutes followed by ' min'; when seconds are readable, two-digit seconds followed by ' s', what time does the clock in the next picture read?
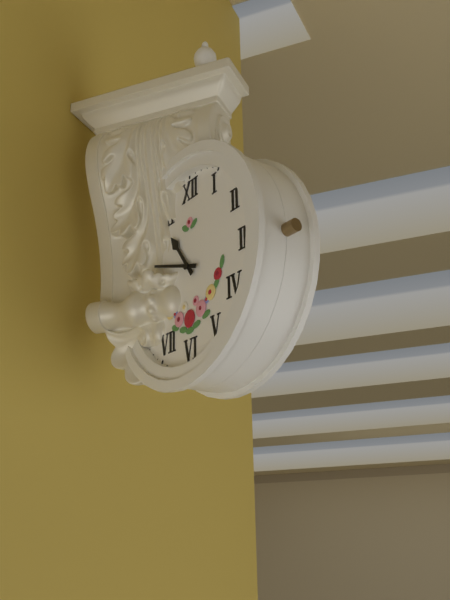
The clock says 10 h 48 min
